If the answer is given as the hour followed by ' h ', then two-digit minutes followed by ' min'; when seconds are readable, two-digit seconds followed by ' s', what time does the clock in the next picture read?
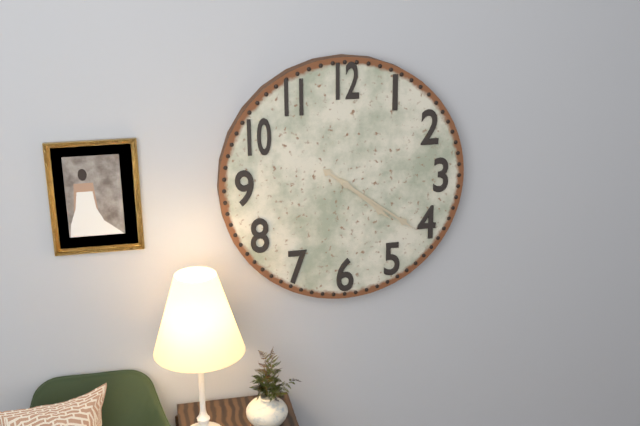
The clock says 4 h 21 min
